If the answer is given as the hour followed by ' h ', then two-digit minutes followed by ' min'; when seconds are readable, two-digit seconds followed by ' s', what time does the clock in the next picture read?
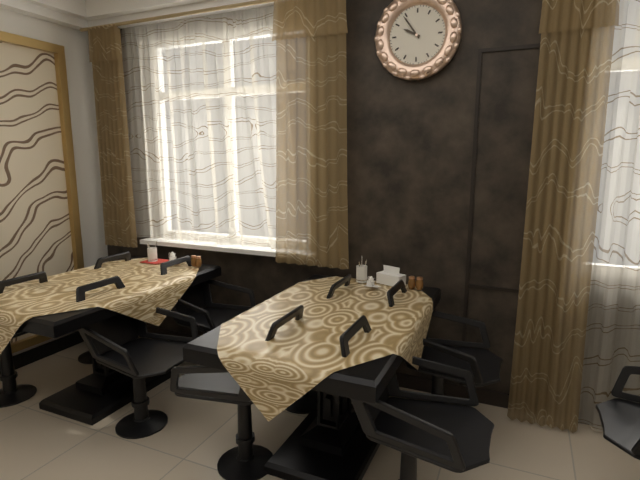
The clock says 9 h 54 min
